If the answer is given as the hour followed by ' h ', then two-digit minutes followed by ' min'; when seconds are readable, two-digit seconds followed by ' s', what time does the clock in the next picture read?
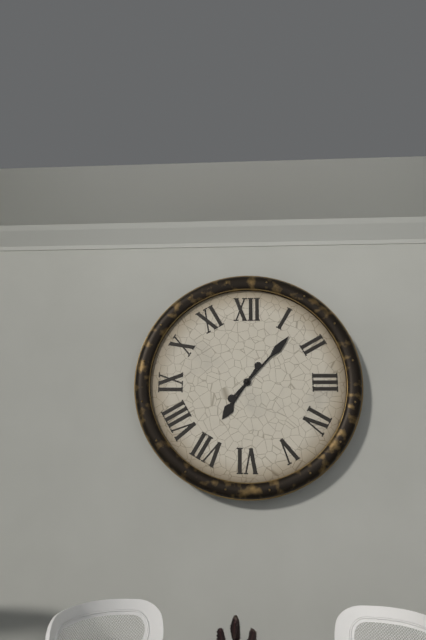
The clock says 7 h 07 min
